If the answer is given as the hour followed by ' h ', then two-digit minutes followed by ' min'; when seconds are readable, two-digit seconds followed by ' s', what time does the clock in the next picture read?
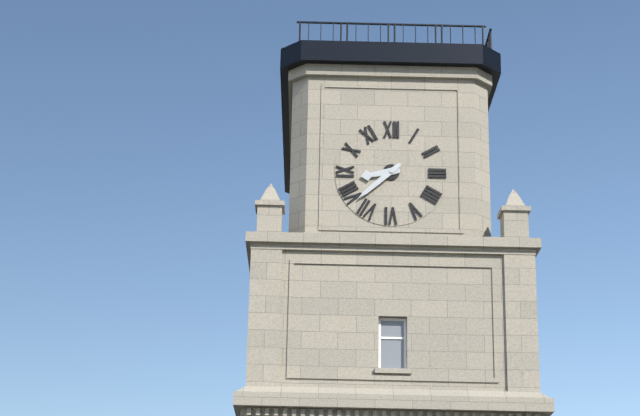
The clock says 8 h 38 min
